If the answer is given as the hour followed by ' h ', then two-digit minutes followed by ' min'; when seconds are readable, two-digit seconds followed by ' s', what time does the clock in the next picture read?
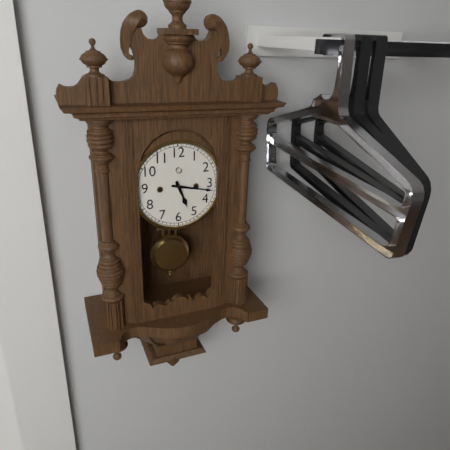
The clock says 5 h 17 min
